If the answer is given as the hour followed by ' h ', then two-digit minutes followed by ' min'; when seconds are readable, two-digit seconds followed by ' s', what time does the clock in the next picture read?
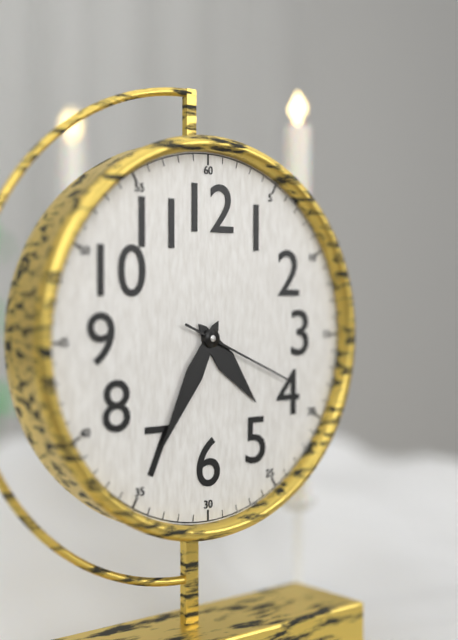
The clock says 4 h 35 min 19 s
